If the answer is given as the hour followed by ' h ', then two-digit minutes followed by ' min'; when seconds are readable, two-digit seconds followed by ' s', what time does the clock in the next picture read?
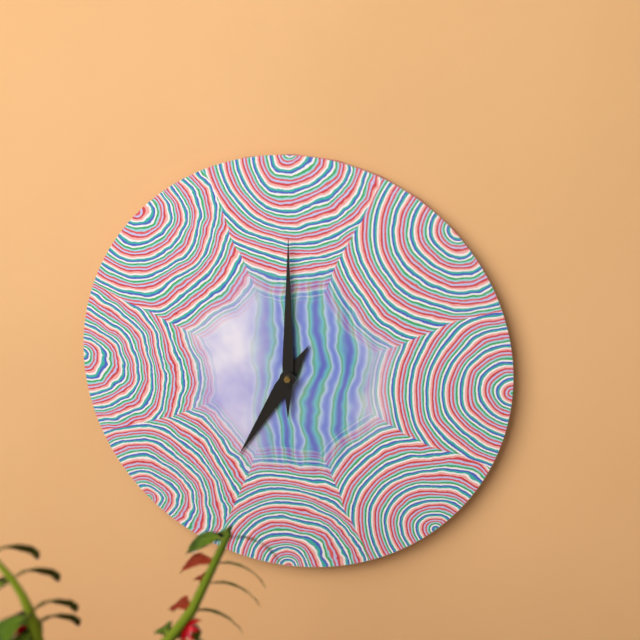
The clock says 7 h 00 min
